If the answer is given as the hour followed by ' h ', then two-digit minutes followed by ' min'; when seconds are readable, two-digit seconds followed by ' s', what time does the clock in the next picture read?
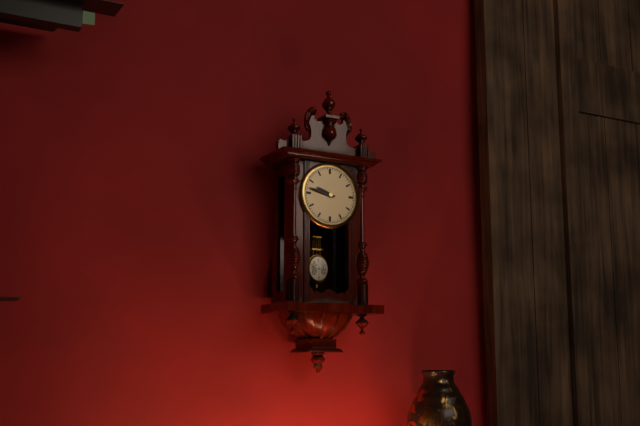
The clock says 9 h 47 min
